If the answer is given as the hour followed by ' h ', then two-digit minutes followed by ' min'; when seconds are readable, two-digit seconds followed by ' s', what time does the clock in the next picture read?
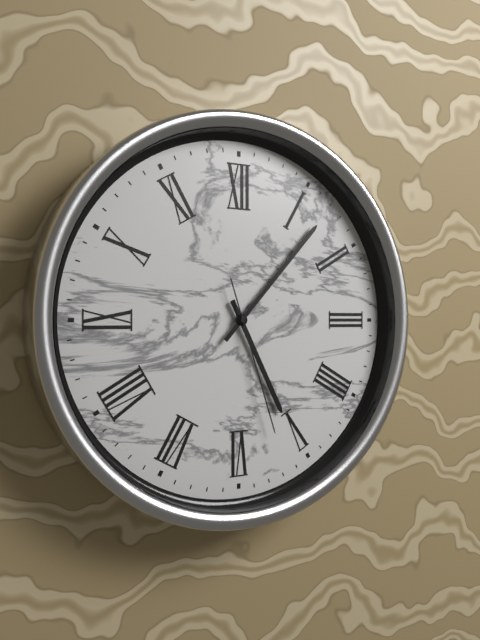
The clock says 5 h 07 min 27 s
